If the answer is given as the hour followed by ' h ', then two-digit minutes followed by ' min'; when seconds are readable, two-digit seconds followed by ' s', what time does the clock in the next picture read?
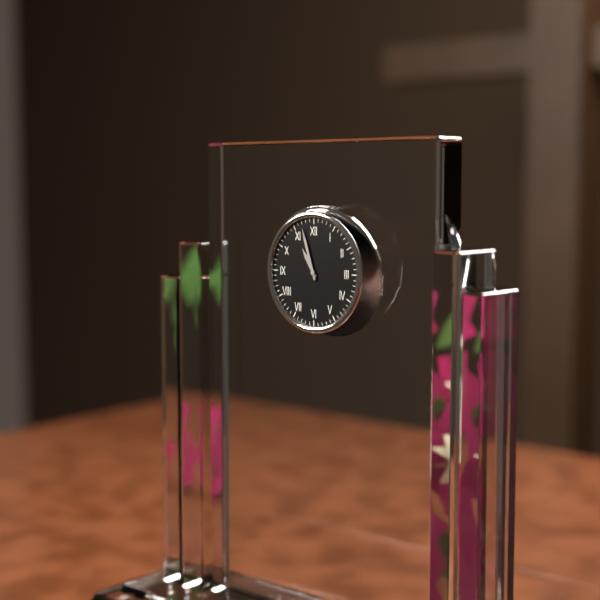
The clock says 10 h 57 min
